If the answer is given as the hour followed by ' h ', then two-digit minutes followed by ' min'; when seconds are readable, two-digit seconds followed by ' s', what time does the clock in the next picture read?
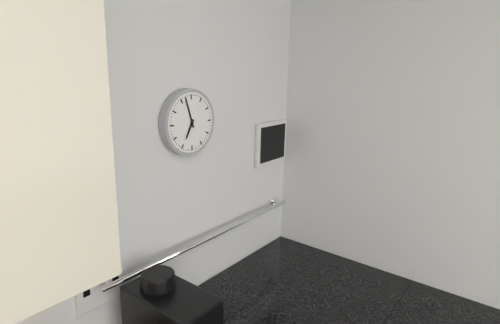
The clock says 6 h 57 min
